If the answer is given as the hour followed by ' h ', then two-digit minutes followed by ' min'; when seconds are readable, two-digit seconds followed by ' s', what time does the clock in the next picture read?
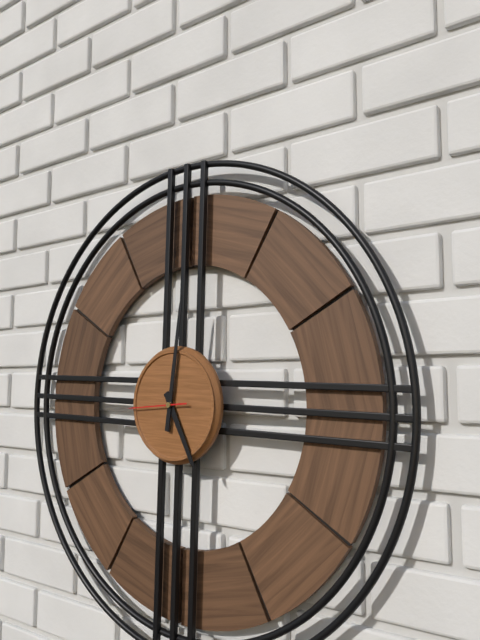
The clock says 5 h 01 min 44 s
